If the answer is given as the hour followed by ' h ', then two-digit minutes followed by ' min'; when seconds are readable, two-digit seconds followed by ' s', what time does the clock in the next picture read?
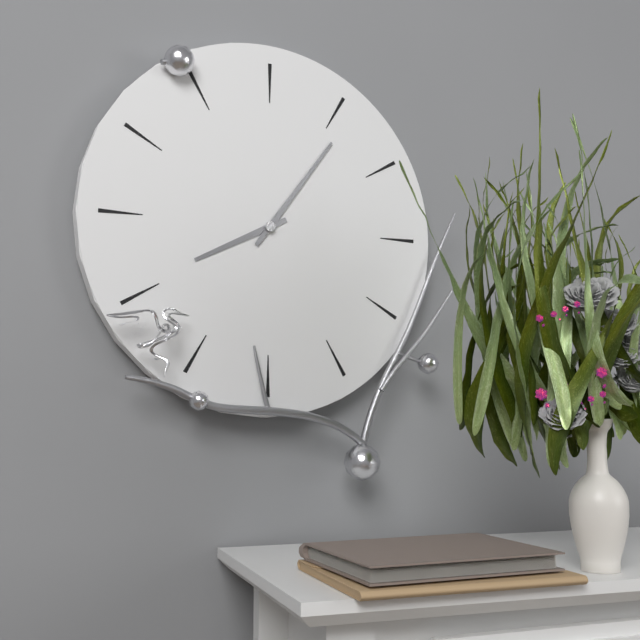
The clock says 8 h 06 min
